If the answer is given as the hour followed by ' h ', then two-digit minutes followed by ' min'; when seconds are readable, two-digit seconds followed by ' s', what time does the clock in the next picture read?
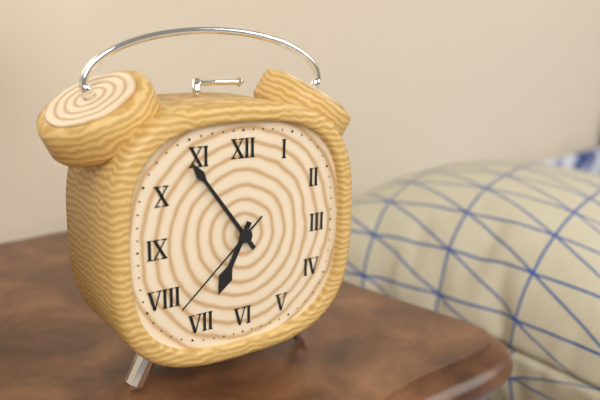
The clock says 6 h 54 min 38 s
